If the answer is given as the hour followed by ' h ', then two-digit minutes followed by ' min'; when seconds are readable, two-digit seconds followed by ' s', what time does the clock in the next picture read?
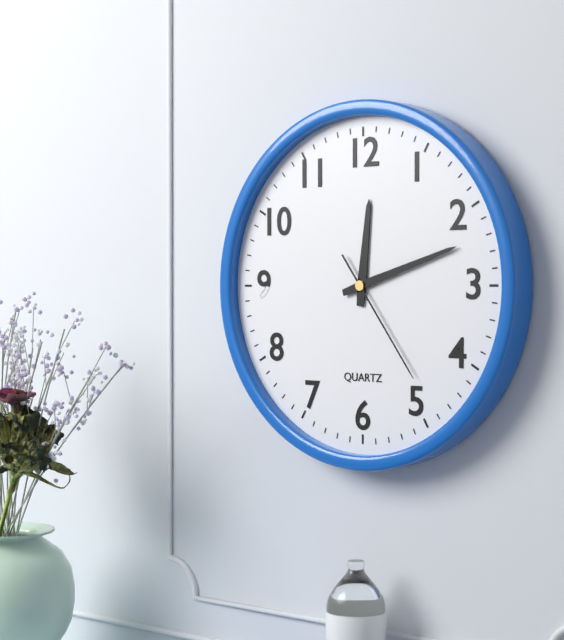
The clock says 12 h 12 min 24 s
